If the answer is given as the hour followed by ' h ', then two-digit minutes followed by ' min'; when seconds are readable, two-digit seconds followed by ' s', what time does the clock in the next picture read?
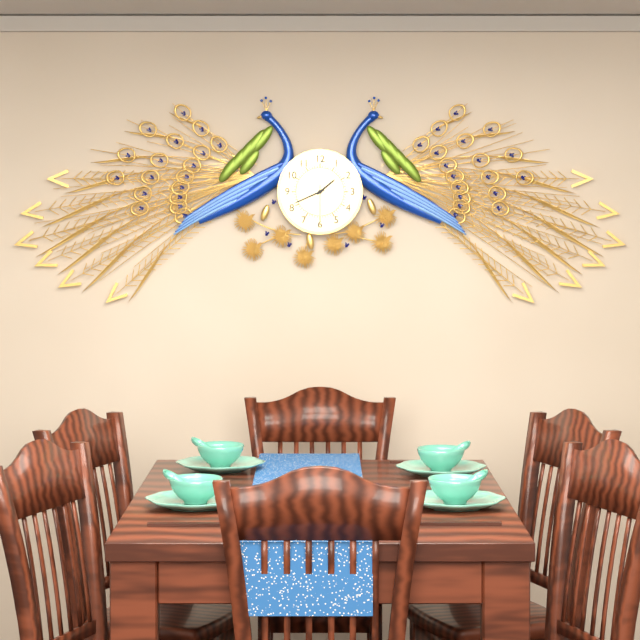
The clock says 1 h 41 min
